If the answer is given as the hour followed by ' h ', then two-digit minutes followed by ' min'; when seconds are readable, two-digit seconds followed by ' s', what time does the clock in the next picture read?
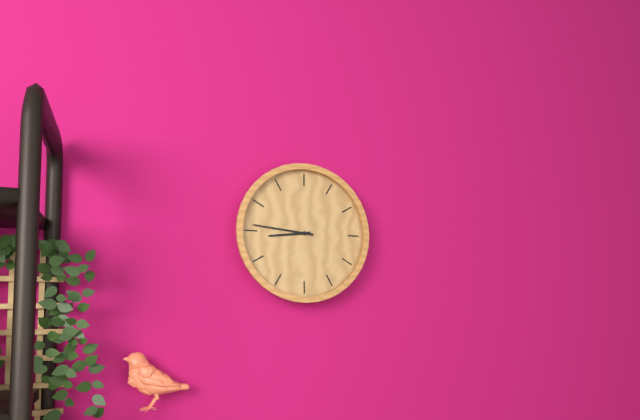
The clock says 8 h 46 min
